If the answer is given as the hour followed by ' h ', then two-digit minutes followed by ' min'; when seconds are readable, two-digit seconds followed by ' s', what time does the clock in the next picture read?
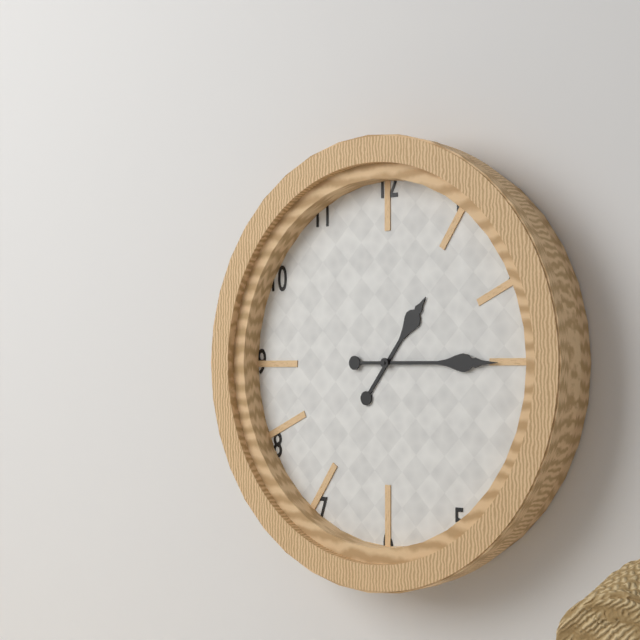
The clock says 1 h 15 min
